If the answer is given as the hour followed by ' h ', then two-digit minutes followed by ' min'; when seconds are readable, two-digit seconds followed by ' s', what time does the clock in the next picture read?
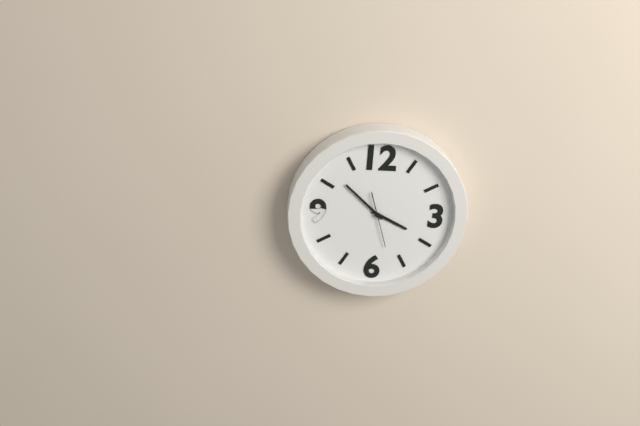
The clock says 3 h 52 min
